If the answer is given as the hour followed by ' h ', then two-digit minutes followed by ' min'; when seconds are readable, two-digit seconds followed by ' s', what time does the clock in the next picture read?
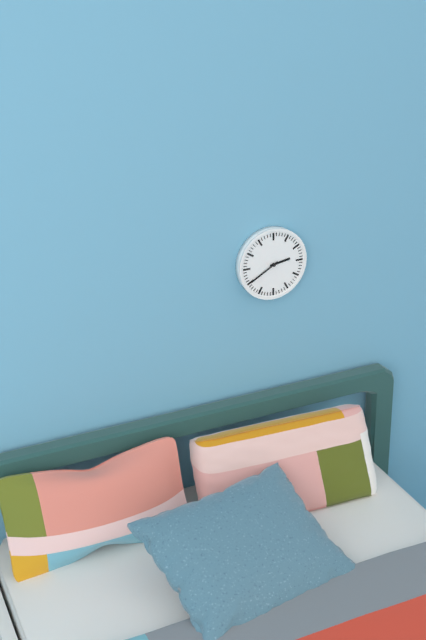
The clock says 2 h 40 min
